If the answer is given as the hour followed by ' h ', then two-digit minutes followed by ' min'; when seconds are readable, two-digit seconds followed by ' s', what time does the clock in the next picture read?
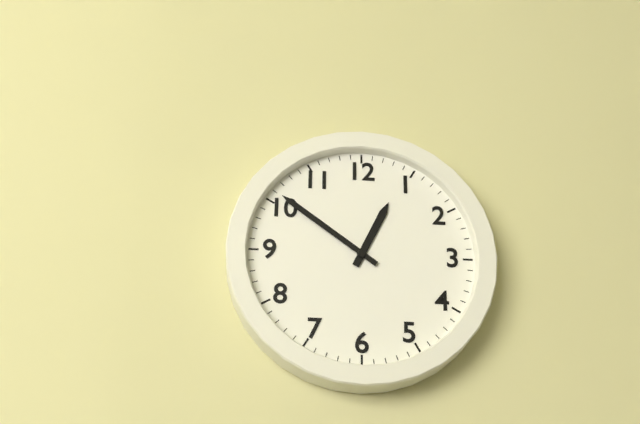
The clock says 12 h 51 min
